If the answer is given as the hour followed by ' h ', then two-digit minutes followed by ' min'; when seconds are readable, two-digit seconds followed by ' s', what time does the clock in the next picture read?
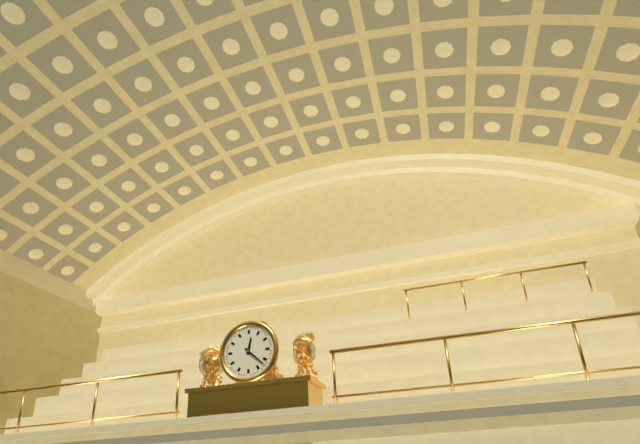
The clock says 12 h 22 min
